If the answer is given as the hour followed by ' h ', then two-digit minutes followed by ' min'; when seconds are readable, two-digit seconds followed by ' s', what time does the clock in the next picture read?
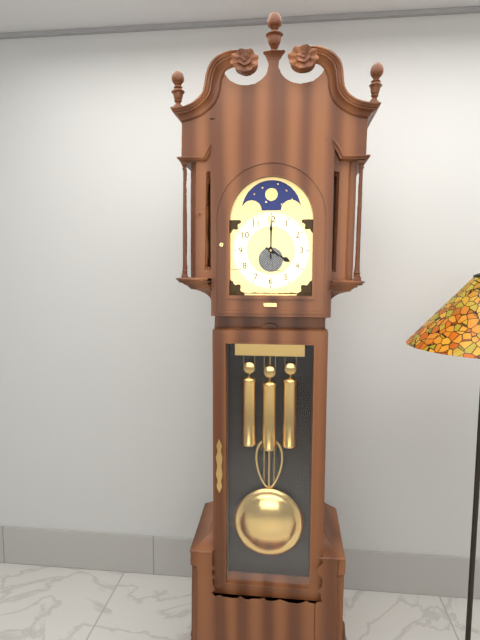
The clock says 4 h 00 min
